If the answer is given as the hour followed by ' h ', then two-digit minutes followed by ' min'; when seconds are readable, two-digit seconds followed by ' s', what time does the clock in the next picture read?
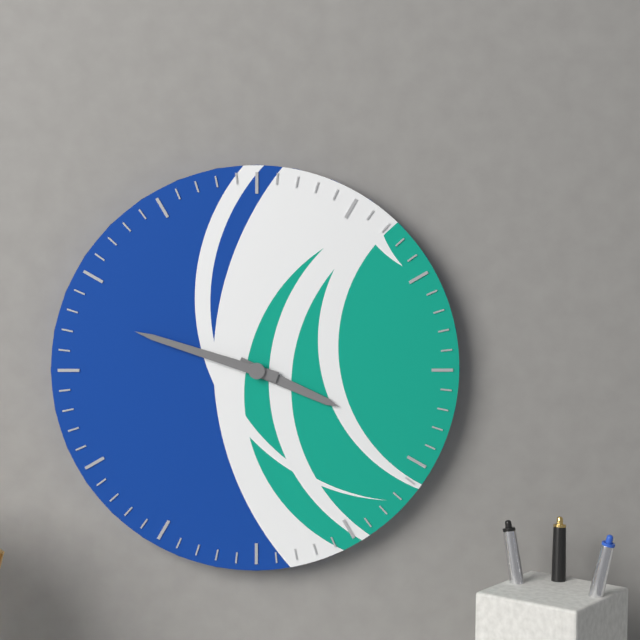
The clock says 3 h 48 min
